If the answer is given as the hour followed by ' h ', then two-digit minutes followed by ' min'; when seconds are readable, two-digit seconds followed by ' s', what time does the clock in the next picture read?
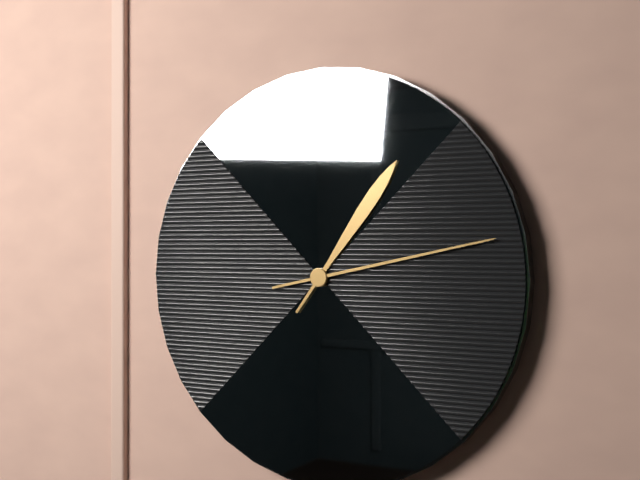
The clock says 1 h 13 min
